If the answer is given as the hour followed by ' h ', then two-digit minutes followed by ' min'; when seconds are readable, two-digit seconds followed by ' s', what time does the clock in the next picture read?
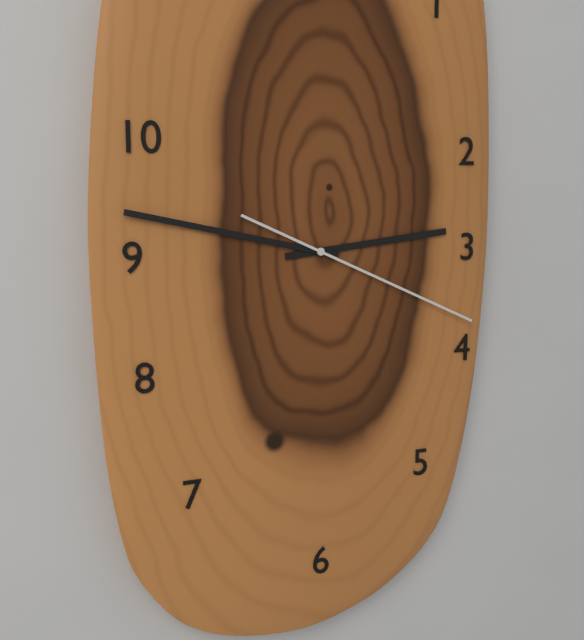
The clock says 2 h 47 min 19 s
